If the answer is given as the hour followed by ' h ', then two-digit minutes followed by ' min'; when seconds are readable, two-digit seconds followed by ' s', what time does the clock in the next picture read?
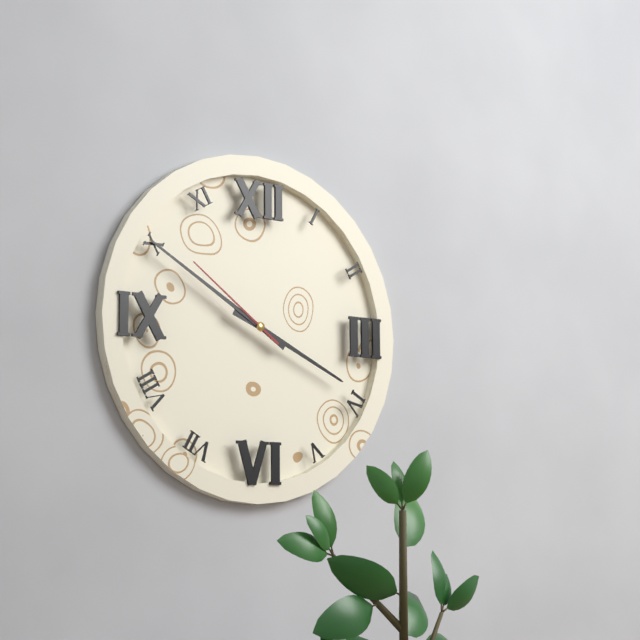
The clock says 3 h 50 min 51 s
